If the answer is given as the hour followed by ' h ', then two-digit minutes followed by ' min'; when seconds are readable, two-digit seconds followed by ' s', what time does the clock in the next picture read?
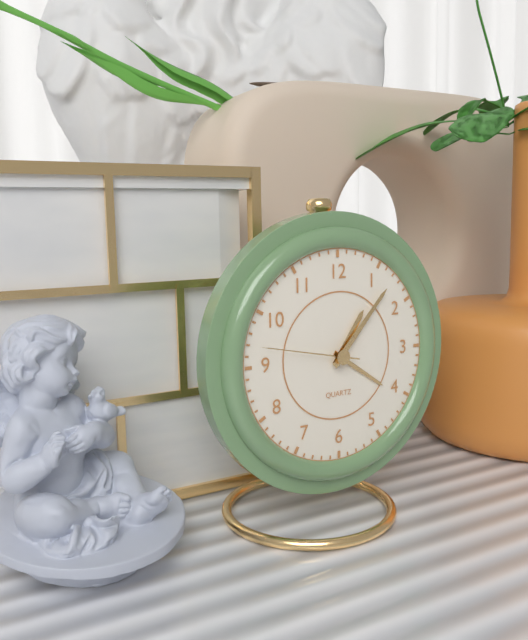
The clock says 1 h 07 min 47 s
